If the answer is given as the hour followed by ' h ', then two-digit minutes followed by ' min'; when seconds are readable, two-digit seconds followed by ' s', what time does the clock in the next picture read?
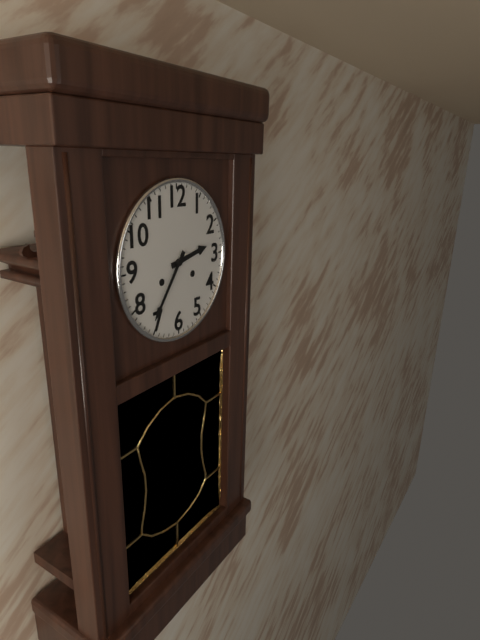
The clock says 2 h 36 min
